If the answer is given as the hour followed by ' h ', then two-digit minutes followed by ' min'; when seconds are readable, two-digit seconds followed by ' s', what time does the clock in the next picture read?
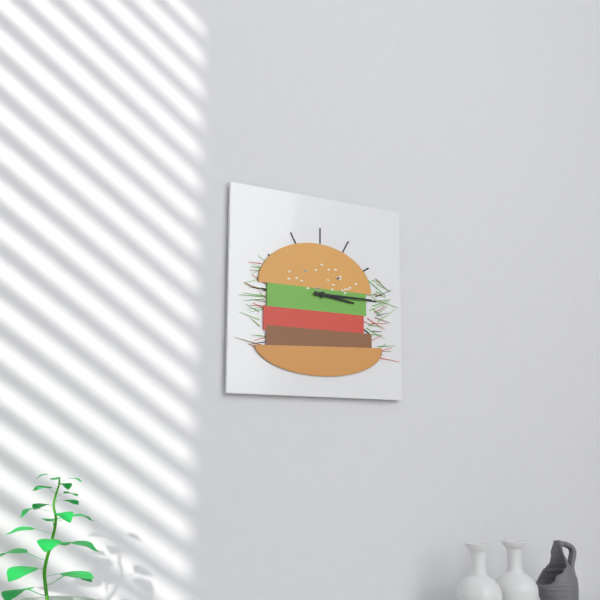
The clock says 3 h 15 min
